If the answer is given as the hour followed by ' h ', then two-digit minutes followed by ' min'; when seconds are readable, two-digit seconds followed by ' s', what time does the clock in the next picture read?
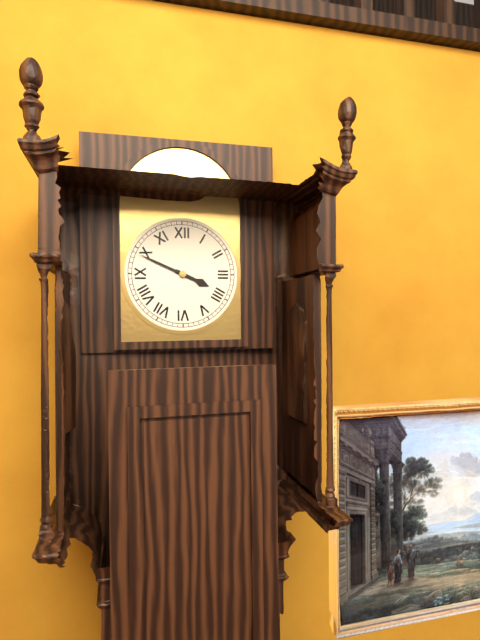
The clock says 3 h 49 min
